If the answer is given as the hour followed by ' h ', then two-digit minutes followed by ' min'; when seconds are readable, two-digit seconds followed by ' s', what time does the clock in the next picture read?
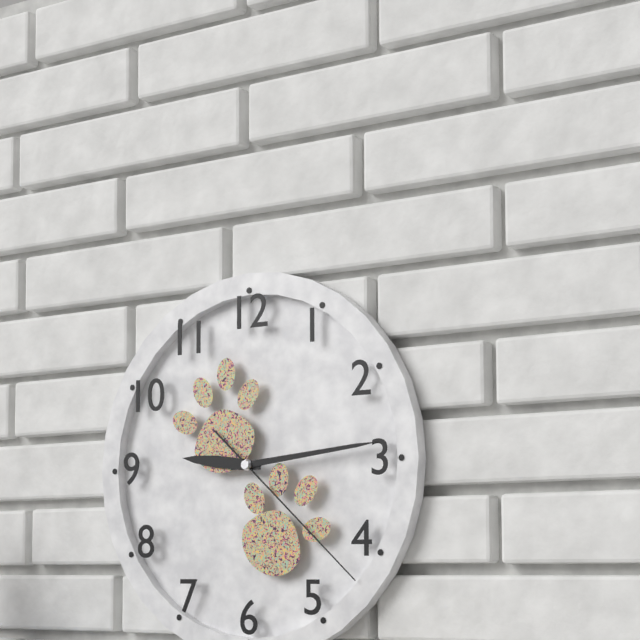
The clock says 9 h 14 min 22 s
